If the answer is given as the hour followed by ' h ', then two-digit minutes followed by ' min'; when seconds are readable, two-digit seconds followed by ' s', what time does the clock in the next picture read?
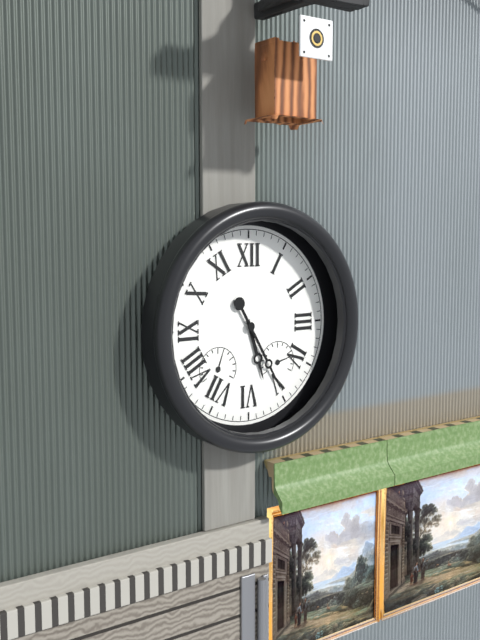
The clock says 5 h 25 min
